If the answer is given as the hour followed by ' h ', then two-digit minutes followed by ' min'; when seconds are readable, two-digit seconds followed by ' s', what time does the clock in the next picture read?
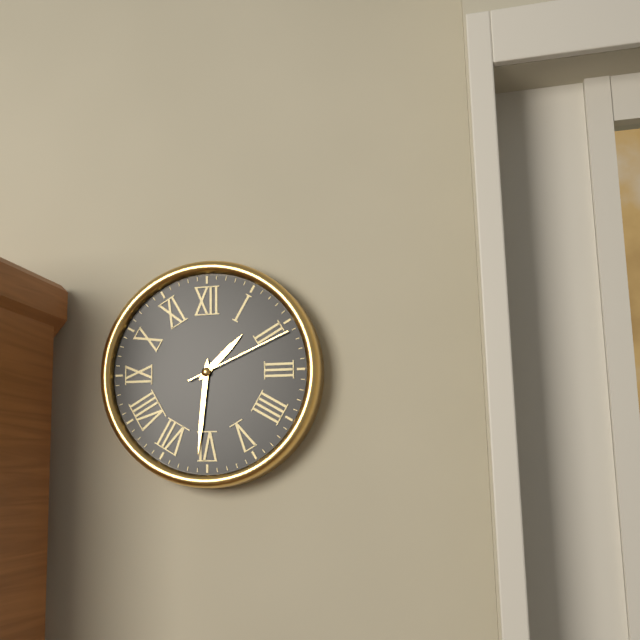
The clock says 1 h 31 min 11 s
